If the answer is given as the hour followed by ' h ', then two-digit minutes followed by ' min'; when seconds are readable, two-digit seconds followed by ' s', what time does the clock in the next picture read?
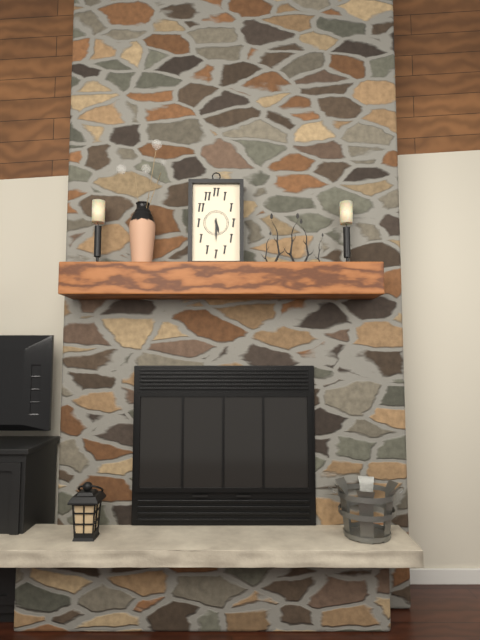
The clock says 5 h 30 min
